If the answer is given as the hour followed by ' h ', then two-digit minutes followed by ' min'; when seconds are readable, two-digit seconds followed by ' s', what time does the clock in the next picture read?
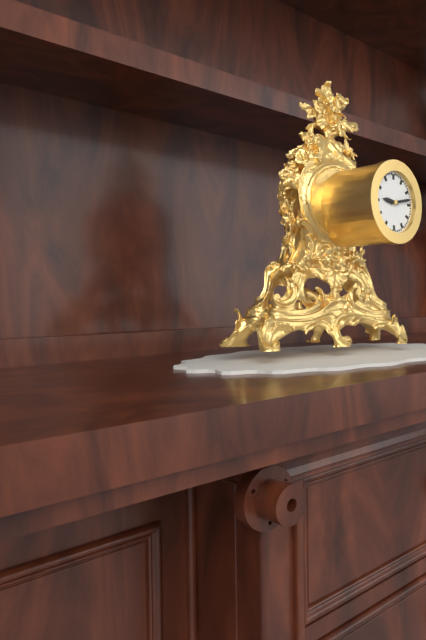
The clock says 9 h 13 min
